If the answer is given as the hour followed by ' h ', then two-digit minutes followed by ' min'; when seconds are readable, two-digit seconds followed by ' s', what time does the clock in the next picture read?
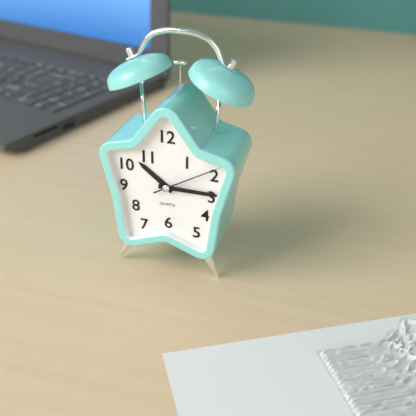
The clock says 10 h 15 min 10 s
